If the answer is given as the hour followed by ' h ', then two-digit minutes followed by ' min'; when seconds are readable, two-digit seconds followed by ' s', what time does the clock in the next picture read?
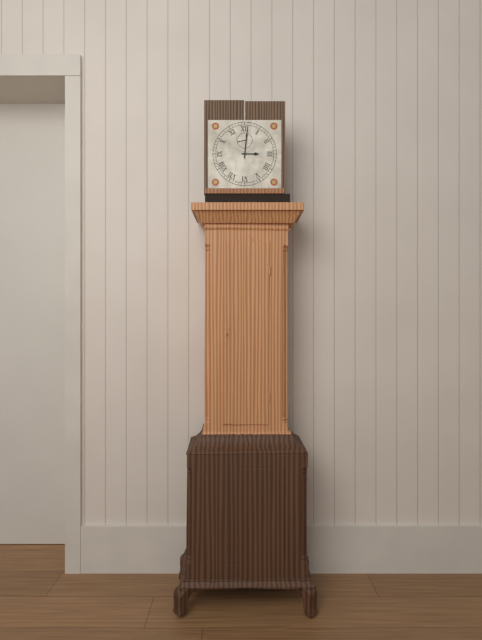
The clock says 3 h 01 min
